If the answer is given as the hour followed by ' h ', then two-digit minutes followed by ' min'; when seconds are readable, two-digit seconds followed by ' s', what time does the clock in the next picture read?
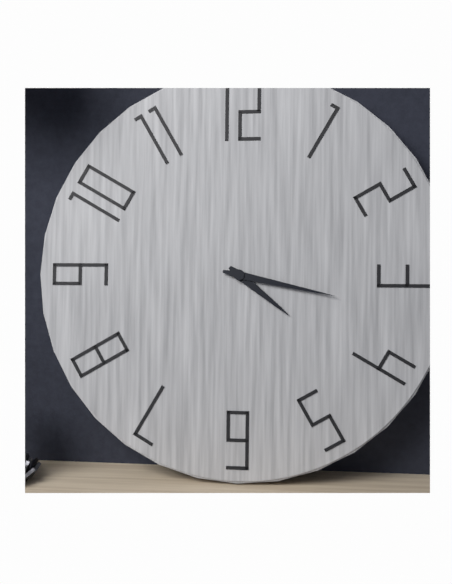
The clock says 4 h 17 min
